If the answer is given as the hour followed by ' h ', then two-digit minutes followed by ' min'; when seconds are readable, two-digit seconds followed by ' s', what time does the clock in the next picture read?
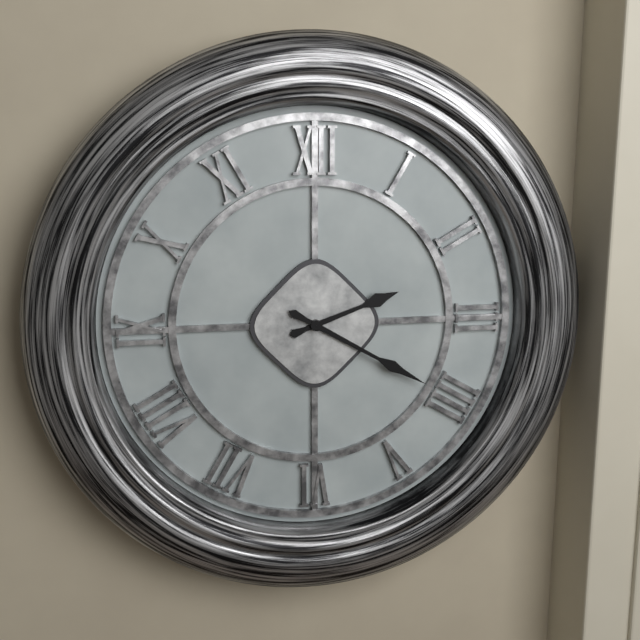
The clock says 2 h 20 min
